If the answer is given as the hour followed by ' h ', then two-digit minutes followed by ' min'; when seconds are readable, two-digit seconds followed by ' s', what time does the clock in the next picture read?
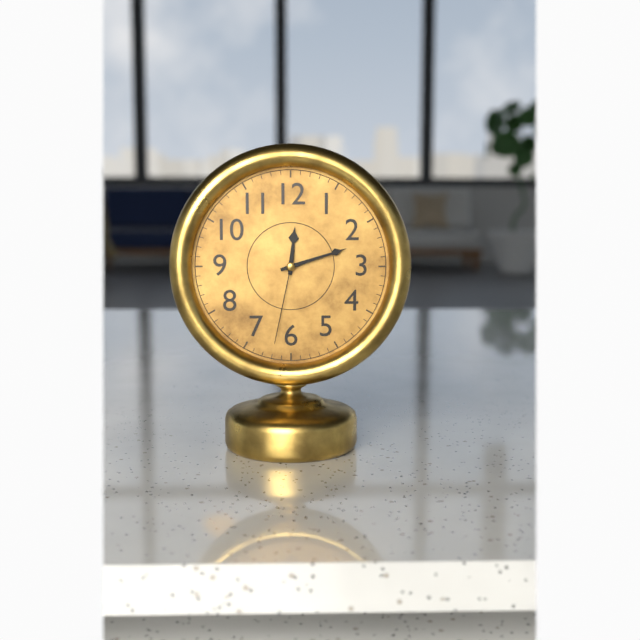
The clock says 12 h 12 min 32 s
